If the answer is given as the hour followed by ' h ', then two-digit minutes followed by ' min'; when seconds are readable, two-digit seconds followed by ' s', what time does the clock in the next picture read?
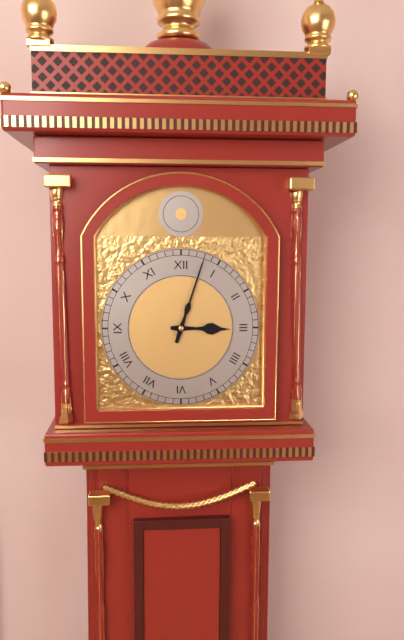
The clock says 3 h 03 min
